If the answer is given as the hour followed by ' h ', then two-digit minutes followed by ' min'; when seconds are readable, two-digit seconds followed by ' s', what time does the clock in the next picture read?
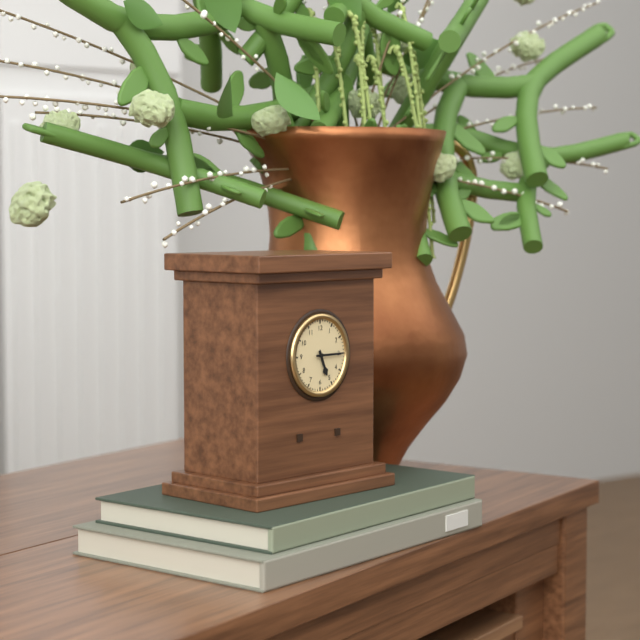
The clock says 5 h 15 min
